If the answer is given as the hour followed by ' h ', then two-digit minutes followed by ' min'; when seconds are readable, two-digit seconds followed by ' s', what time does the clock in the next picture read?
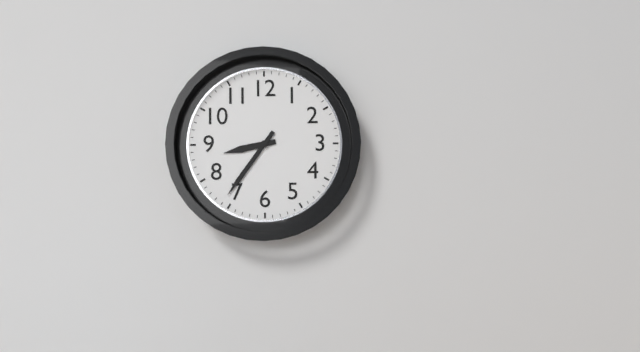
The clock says 8 h 36 min
